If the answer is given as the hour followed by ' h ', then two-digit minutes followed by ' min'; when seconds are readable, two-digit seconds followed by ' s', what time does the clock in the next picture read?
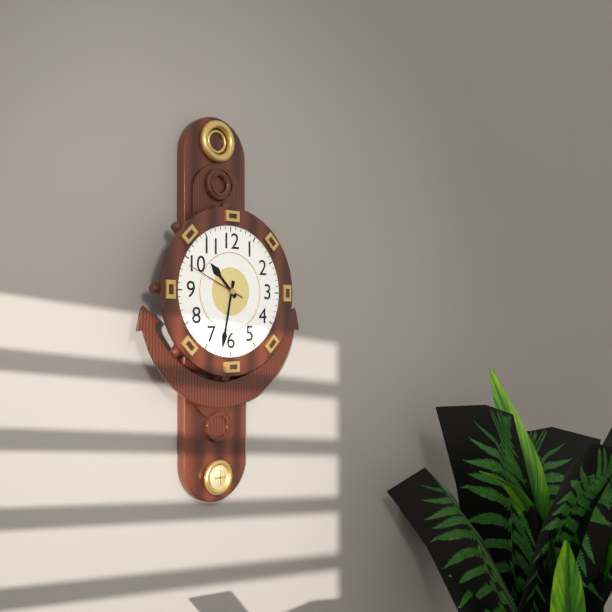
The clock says 10 h 32 min 49 s
